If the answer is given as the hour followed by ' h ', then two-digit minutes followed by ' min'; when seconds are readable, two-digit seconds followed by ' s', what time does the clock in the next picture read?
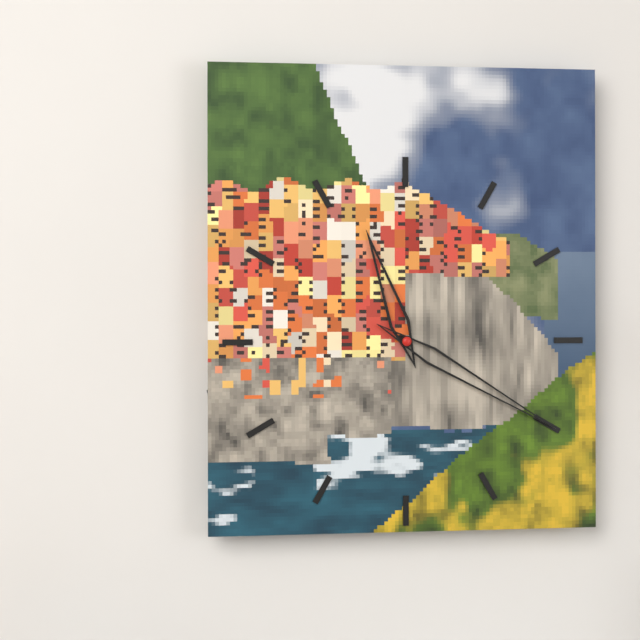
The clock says 11 h 20 min
